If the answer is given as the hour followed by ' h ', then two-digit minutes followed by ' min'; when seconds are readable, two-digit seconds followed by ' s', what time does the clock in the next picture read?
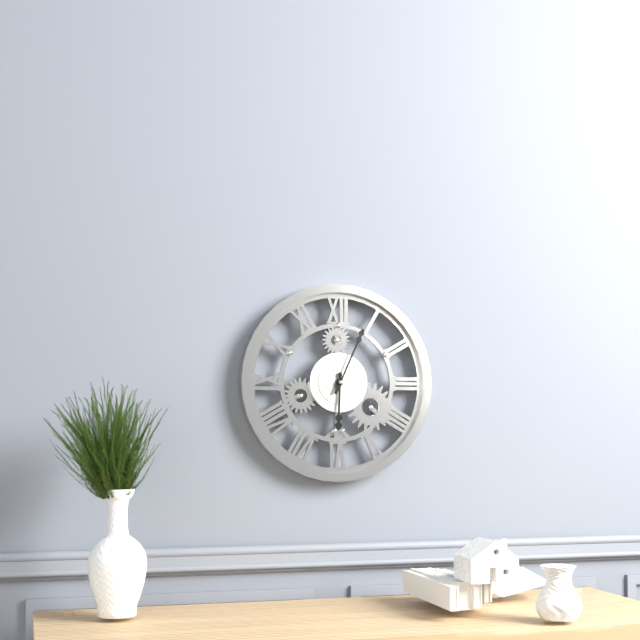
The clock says 6 h 04 min
